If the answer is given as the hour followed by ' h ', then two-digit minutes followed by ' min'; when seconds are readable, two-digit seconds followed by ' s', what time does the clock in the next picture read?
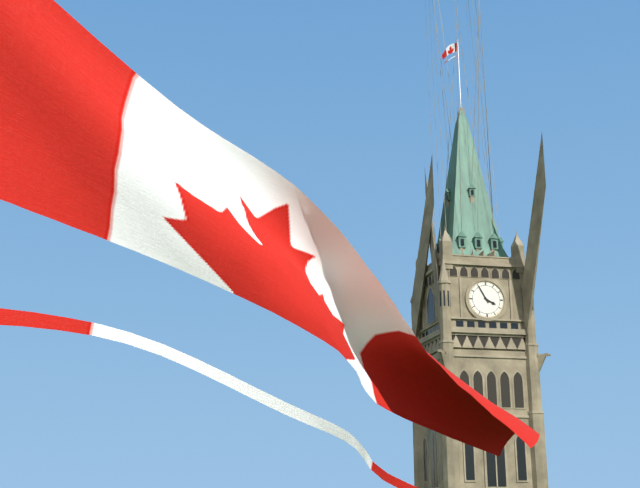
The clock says 3 h 55 min
